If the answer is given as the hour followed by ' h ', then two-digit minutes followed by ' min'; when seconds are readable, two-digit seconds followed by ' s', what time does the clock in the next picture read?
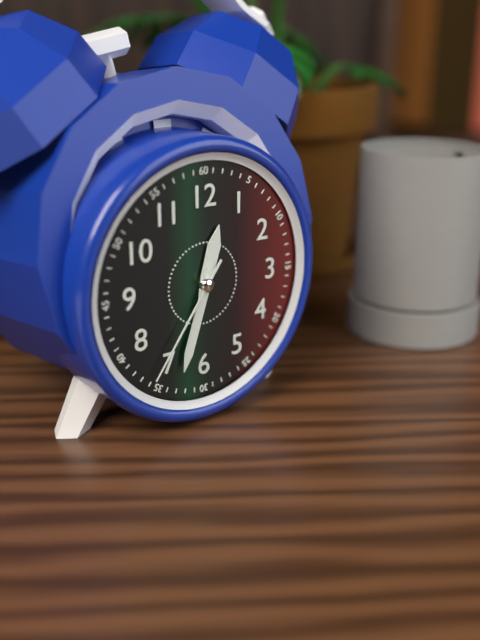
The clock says 12 h 33 min 36 s
